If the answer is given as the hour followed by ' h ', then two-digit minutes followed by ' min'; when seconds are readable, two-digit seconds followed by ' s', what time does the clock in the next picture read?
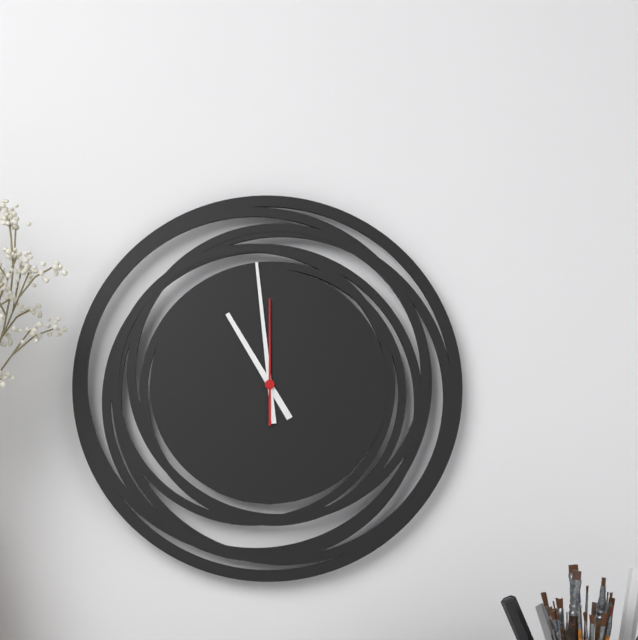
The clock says 10 h 59 min 00 s
